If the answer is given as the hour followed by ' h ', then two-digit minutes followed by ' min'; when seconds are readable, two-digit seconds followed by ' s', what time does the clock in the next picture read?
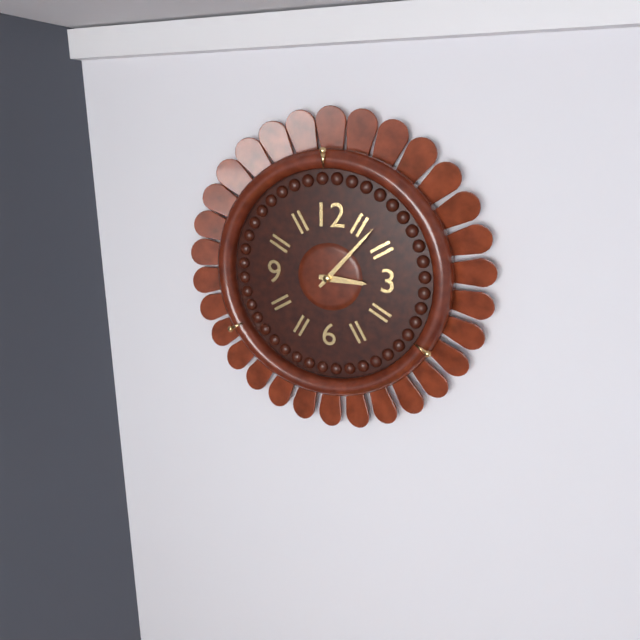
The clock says 3 h 07 min
